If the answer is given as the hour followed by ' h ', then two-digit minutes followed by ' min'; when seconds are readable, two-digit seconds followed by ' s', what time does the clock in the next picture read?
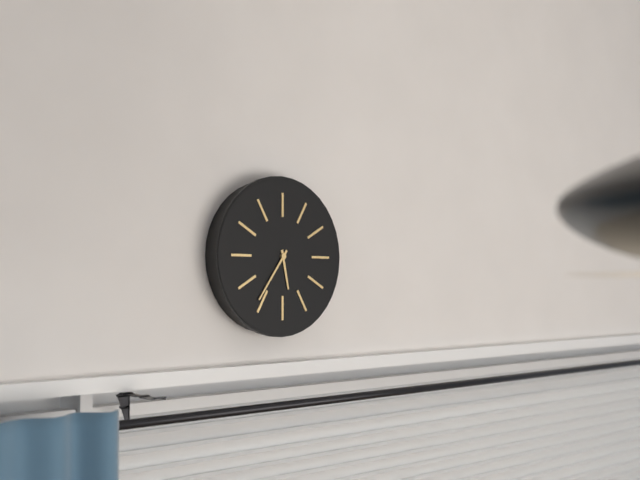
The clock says 5 h 36 min
